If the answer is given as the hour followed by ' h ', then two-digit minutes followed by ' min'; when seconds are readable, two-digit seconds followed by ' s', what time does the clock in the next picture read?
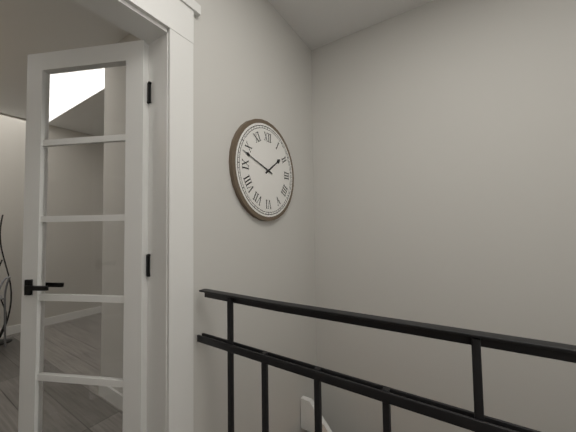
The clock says 1 h 48 min
